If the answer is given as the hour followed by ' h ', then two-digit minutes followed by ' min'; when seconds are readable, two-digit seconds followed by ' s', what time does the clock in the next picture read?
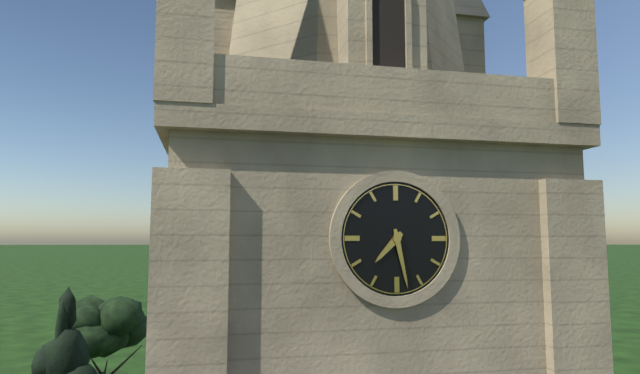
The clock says 7 h 28 min
